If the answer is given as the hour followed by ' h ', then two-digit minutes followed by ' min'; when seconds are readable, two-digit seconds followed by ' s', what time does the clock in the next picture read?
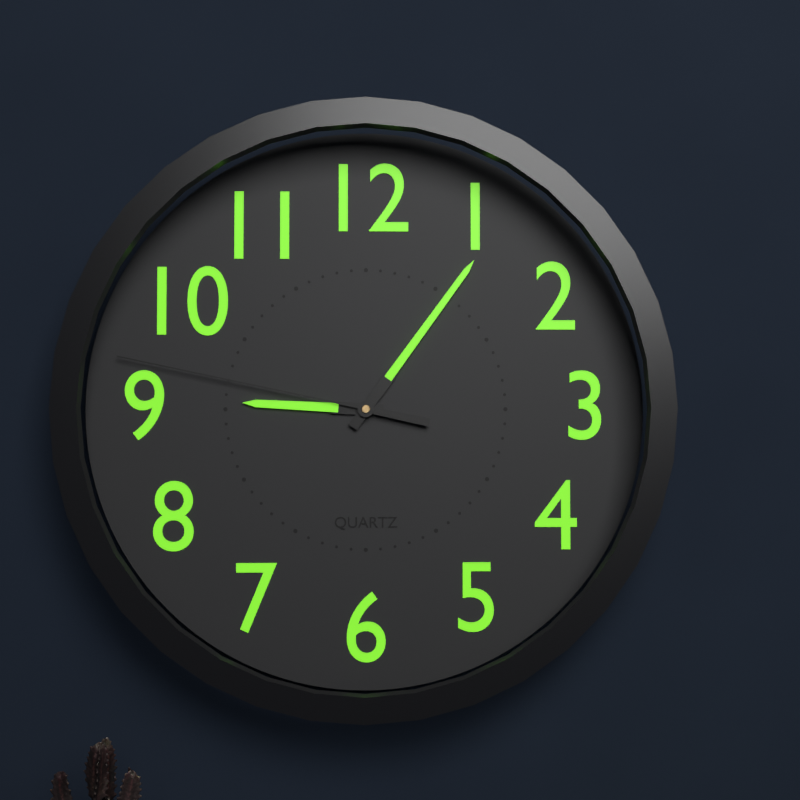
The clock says 9 h 06 min 47 s
